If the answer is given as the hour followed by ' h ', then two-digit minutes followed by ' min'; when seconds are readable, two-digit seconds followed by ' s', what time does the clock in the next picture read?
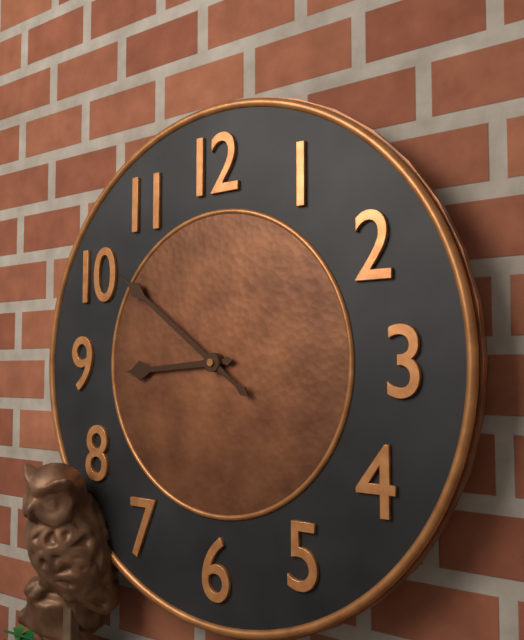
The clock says 8 h 51 min
